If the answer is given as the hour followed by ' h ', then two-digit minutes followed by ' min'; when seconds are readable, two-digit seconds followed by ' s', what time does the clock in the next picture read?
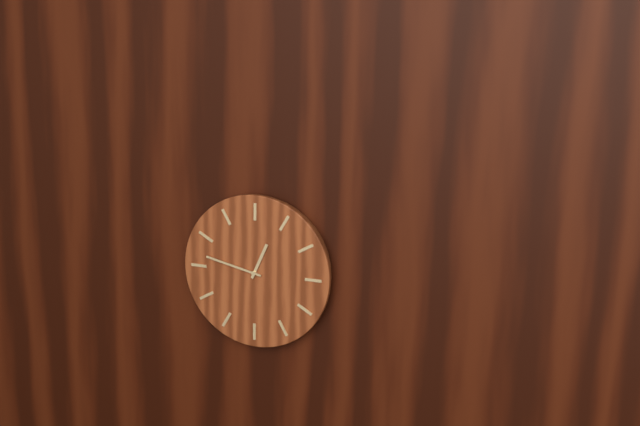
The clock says 12 h 47 min
